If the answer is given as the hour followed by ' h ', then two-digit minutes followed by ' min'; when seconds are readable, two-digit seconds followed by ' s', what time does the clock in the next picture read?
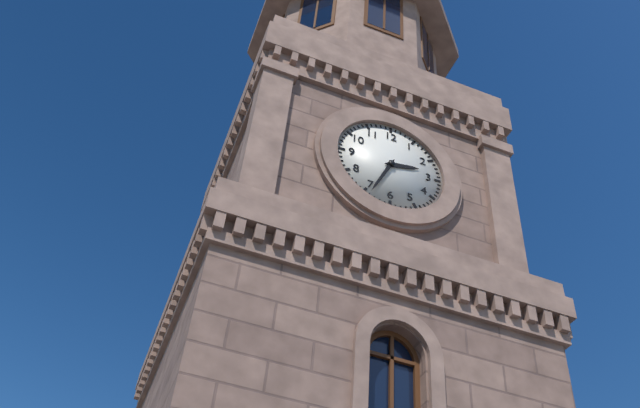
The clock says 2 h 34 min
